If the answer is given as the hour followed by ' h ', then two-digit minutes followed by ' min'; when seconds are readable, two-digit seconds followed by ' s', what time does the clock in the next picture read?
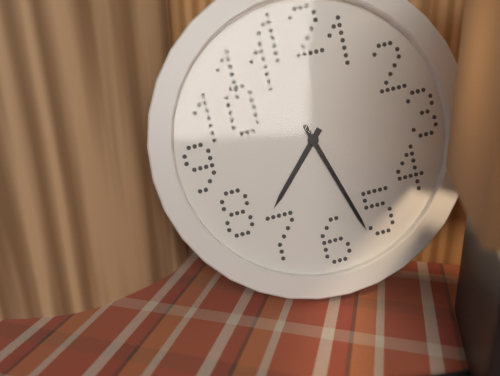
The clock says 7 h 27 min
